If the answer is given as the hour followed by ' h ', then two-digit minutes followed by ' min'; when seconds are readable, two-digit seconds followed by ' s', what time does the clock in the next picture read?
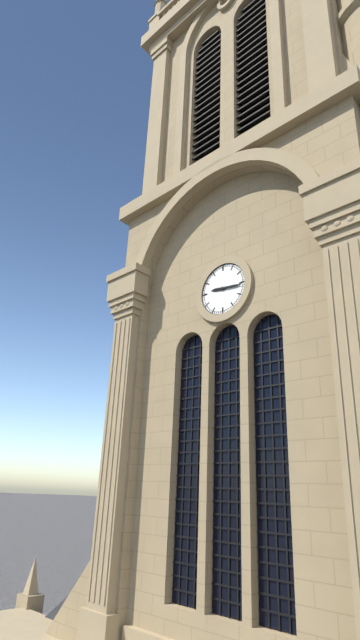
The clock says 9 h 16 min
